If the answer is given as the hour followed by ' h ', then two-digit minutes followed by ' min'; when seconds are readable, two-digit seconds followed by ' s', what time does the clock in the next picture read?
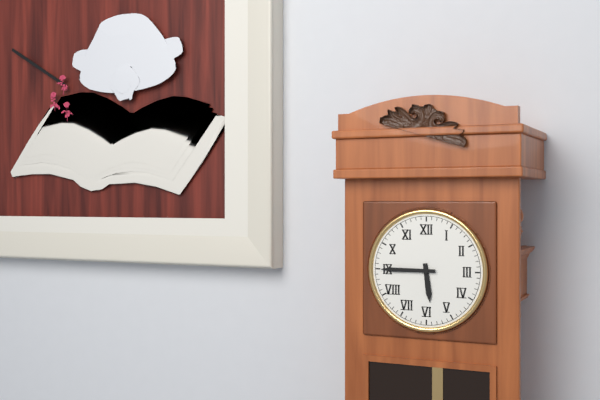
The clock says 5 h 45 min
